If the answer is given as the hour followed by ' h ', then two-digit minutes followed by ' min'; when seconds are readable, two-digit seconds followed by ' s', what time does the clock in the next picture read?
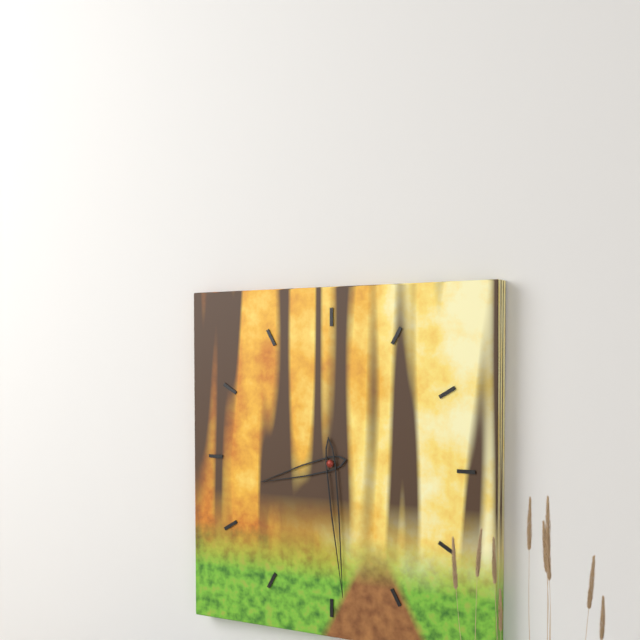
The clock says 8 h 29 min
